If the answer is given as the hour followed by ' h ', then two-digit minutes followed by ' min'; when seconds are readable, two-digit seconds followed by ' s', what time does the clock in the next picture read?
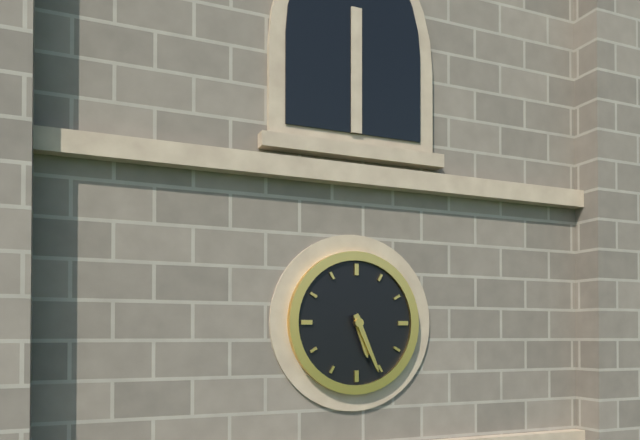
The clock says 5 h 26 min
